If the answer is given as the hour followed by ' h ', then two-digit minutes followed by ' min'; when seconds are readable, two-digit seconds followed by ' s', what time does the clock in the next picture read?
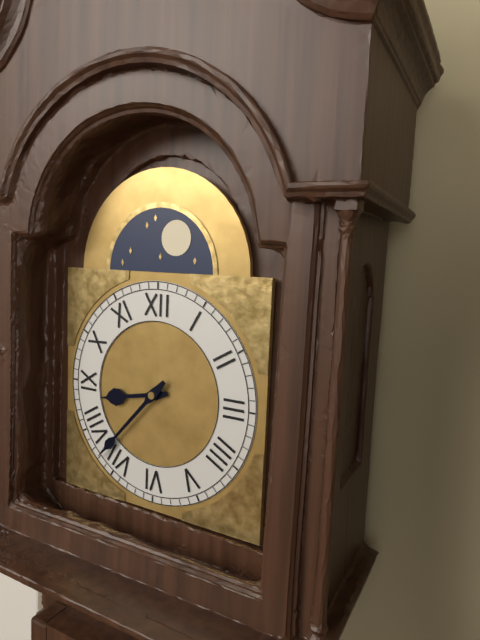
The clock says 8 h 37 min
